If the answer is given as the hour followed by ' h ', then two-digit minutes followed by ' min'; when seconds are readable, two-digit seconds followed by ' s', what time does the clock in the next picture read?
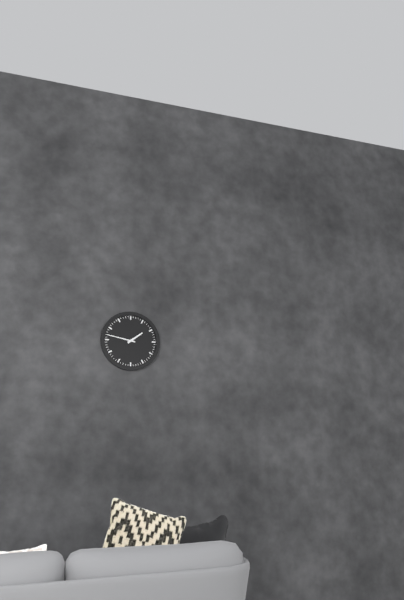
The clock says 1 h 47 min
